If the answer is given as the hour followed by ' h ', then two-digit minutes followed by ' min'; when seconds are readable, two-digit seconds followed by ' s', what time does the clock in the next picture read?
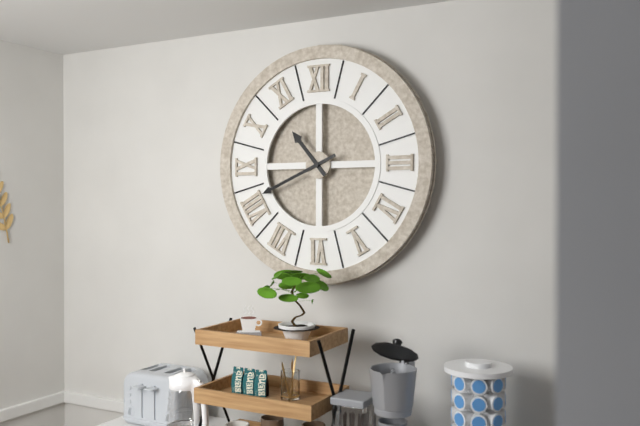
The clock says 10 h 41 min
